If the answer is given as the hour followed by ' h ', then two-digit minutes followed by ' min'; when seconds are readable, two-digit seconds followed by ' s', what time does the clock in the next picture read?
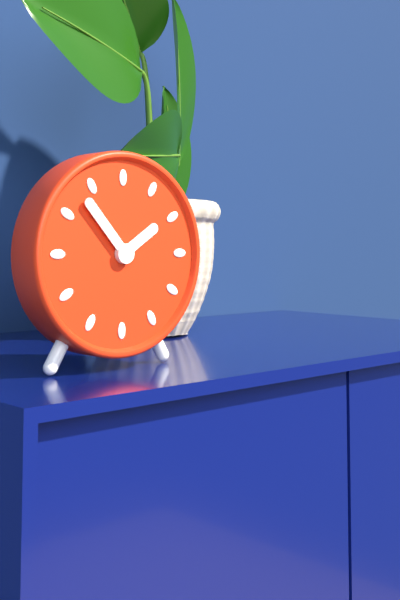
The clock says 1 h 53 min
